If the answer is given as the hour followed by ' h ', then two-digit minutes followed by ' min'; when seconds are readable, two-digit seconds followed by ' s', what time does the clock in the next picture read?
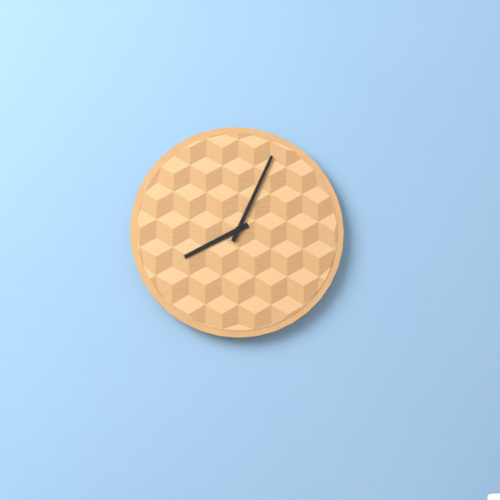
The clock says 8 h 04 min
